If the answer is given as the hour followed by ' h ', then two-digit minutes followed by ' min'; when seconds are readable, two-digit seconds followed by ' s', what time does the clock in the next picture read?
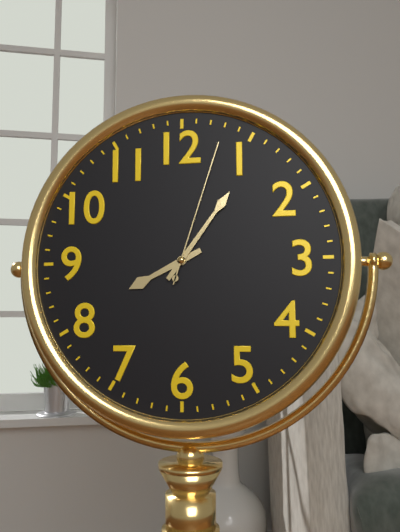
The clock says 8 h 06 min 03 s
